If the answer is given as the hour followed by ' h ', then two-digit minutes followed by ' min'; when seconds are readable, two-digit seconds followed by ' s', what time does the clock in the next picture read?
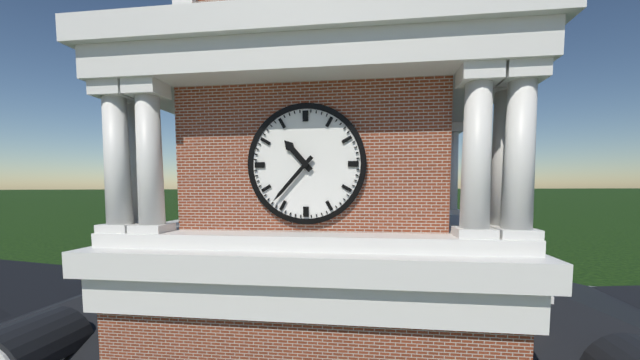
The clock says 10 h 37 min
